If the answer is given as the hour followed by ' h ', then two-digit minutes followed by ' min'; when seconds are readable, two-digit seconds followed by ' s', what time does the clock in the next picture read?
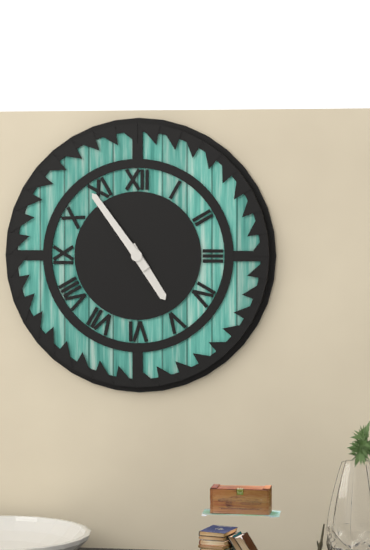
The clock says 4 h 54 min
